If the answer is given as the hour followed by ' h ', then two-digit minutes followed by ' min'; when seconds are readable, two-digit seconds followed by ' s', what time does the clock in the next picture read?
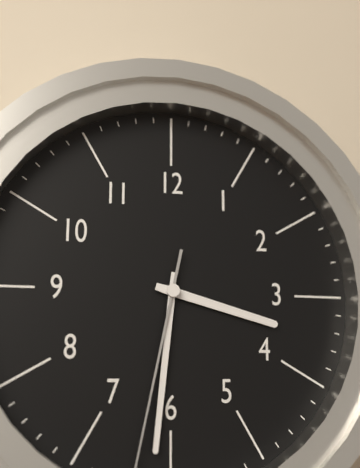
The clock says 3 h 31 min
